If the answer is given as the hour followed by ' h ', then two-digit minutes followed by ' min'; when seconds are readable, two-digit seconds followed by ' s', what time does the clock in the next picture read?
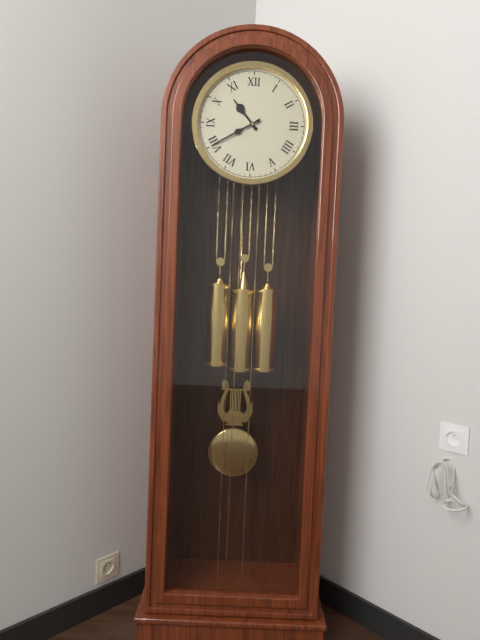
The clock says 10 h 40 min
